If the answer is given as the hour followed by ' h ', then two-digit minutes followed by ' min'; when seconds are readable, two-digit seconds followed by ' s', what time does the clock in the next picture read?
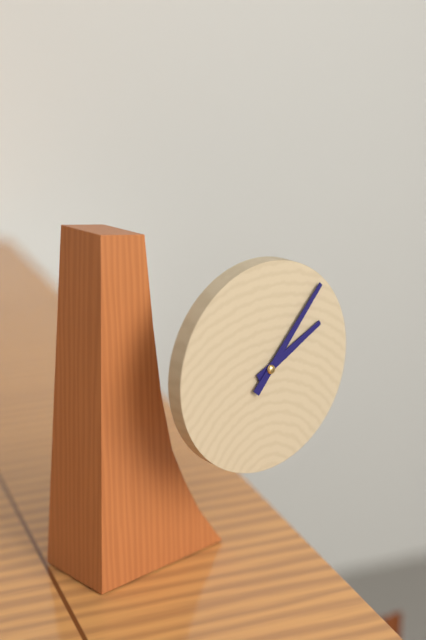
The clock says 2 h 07 min
